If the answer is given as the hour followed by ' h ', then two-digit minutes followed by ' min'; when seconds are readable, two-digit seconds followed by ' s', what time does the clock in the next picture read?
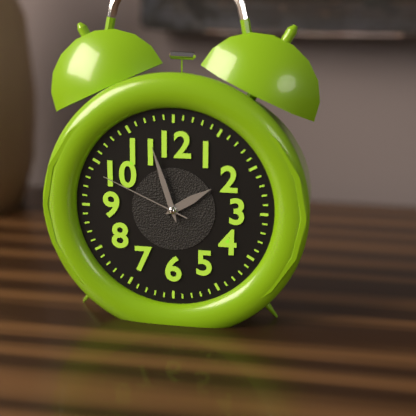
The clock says 1 h 57 min 49 s
